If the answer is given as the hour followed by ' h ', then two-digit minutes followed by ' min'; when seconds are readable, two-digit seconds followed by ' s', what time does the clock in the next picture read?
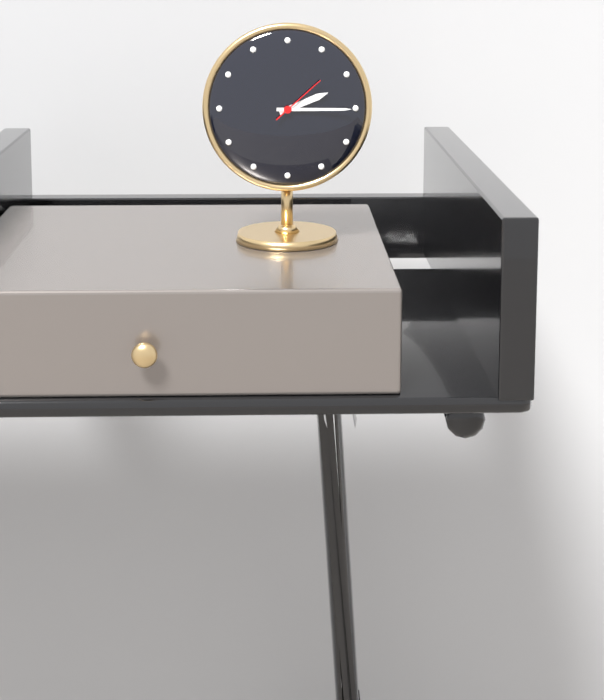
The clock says 2 h 15 min 08 s
